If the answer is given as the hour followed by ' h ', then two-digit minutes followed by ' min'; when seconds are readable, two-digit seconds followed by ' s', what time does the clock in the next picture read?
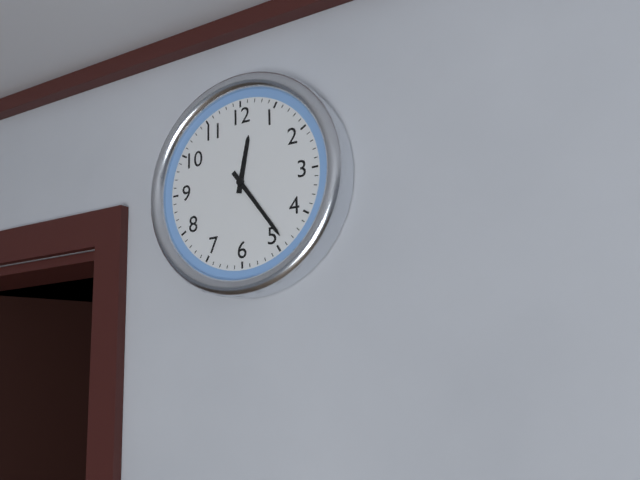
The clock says 12 h 24 min
